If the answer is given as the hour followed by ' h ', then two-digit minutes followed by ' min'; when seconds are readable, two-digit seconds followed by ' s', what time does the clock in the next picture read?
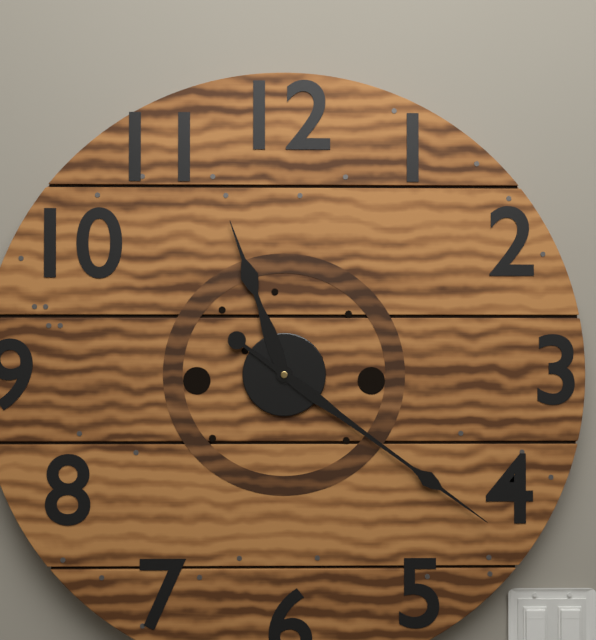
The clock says 11 h 21 min
